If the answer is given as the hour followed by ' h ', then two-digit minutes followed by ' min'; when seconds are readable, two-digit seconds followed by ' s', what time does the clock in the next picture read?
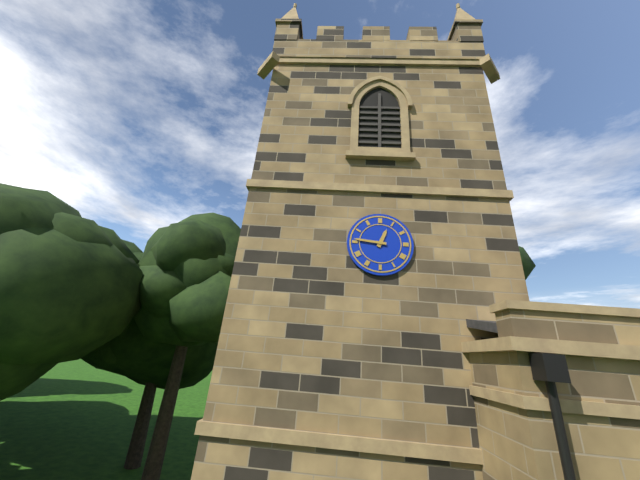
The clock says 12 h 46 min
